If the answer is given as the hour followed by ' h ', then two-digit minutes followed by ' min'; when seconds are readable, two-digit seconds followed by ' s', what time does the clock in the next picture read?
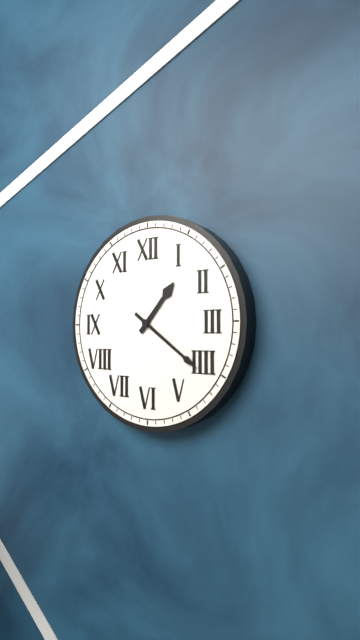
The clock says 1 h 21 min
